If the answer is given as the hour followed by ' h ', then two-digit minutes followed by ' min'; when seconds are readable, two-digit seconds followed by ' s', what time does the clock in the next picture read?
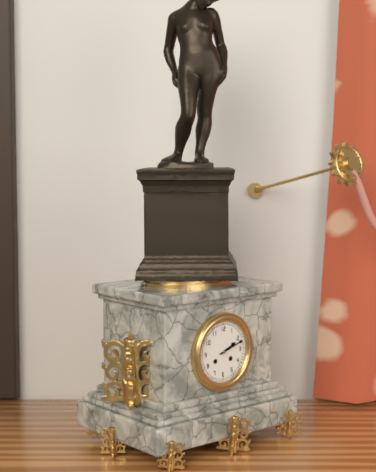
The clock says 2 h 12 min
